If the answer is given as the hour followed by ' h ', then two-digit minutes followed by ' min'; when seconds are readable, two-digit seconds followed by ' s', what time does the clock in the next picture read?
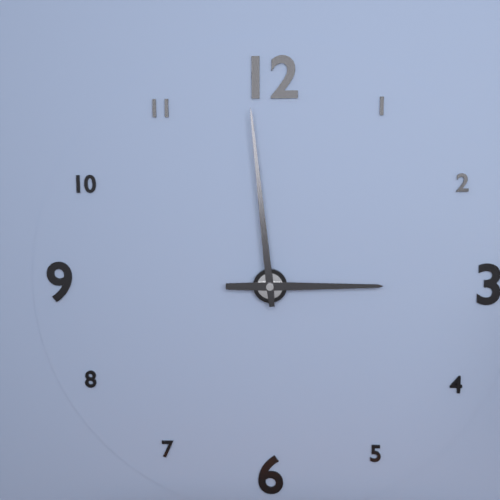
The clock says 2 h 59 min
